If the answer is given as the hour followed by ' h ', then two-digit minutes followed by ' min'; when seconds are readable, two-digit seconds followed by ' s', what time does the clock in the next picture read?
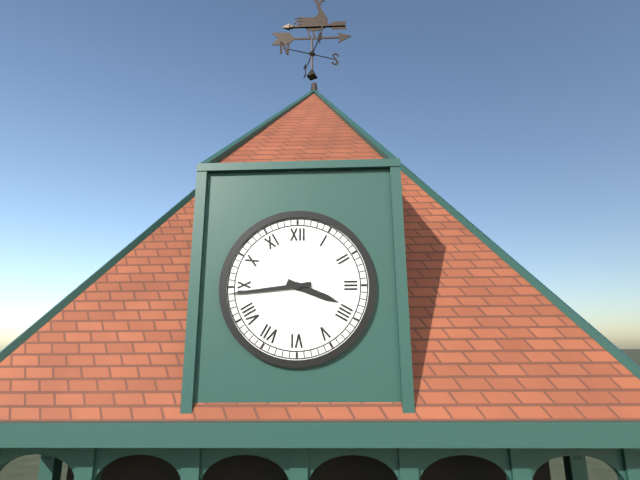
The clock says 3 h 44 min
